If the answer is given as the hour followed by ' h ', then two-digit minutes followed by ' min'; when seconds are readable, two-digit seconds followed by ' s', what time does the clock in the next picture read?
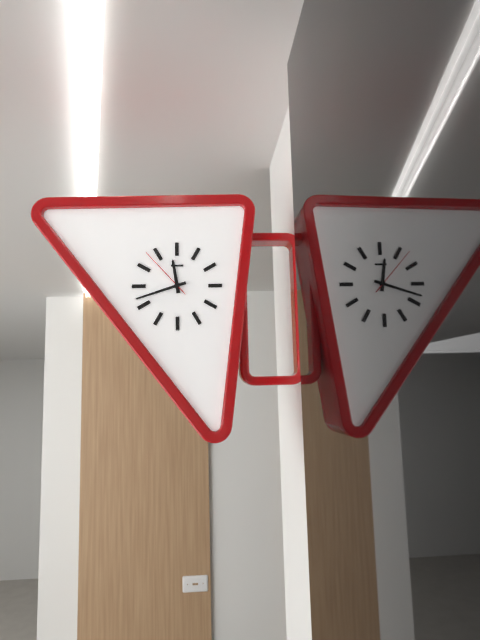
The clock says 11 h 42 min 53 s
